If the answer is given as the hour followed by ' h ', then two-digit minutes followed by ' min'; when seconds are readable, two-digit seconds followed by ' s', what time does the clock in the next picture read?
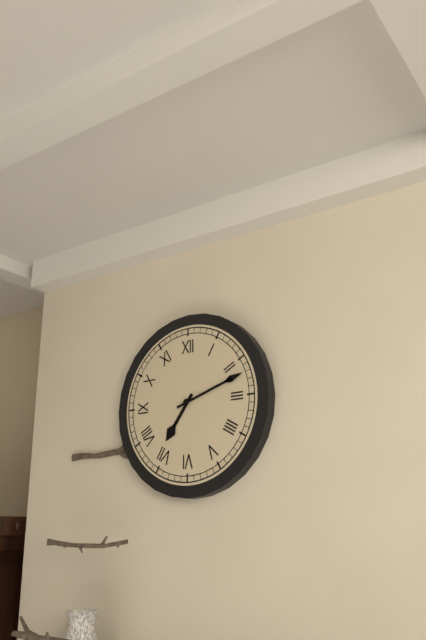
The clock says 7 h 12 min
